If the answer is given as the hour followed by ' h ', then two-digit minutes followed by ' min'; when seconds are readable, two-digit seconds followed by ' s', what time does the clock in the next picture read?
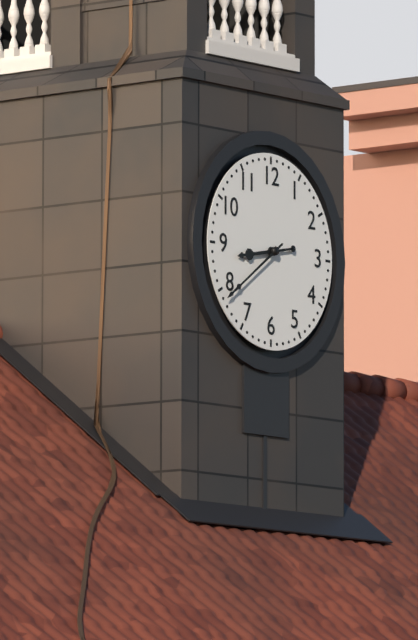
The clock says 8 h 39 min
